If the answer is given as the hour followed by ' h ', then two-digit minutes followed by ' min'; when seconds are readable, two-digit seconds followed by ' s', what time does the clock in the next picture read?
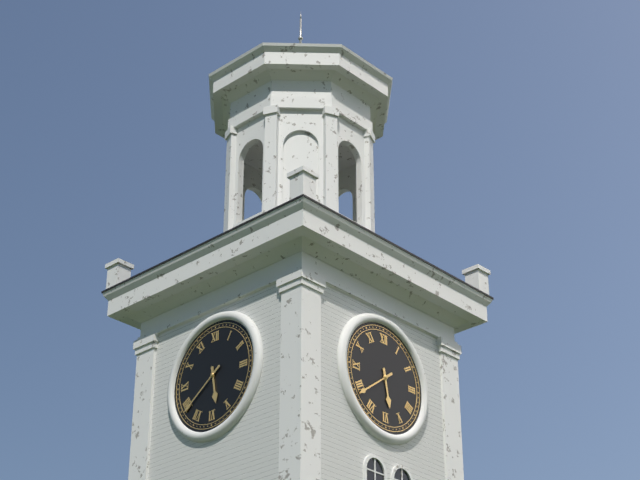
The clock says 5 h 39 min
